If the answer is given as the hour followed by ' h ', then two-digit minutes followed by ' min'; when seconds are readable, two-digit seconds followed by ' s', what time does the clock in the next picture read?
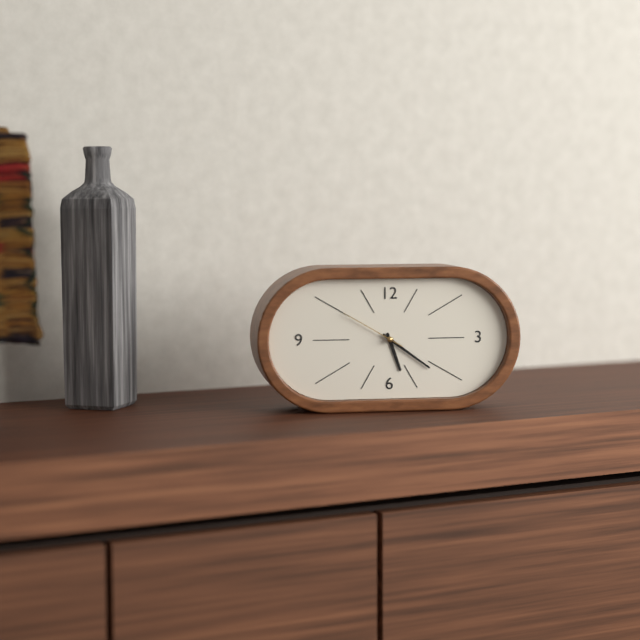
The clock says 5 h 21 min 50 s
